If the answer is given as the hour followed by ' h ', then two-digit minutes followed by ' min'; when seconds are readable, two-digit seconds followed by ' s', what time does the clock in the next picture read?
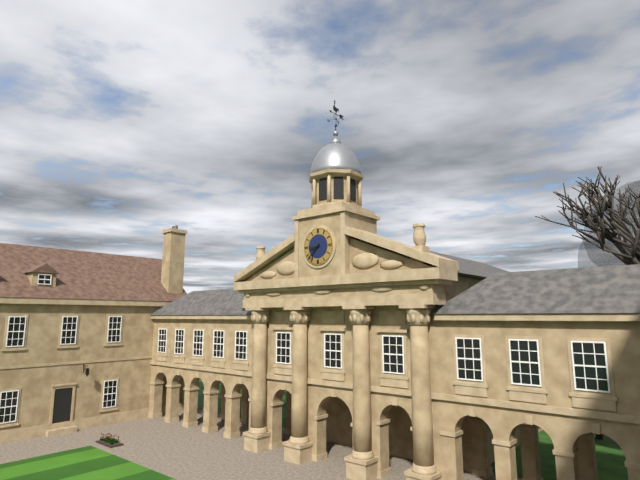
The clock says 8 h 37 min
